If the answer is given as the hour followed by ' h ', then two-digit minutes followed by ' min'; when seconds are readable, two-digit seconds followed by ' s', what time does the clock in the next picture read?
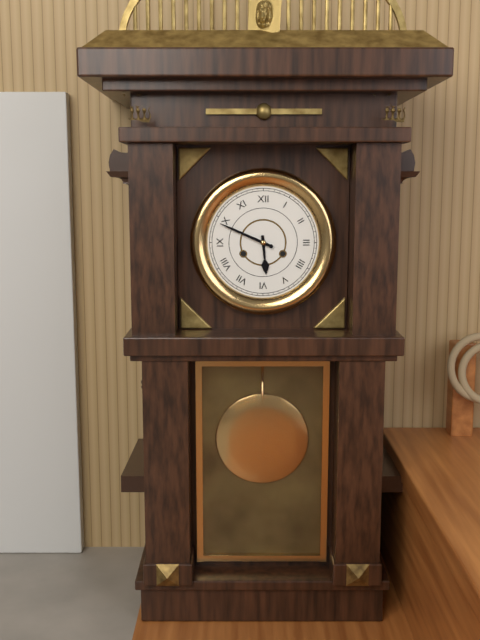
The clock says 5 h 49 min
